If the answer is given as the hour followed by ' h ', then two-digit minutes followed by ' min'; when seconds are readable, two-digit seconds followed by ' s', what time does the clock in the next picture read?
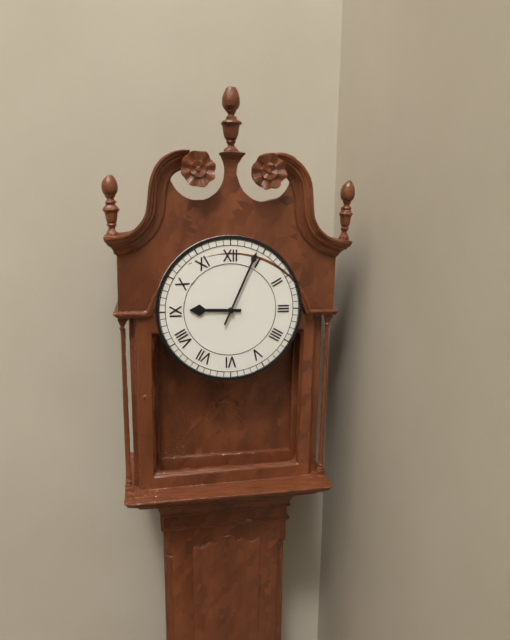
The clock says 9 h 04 min
